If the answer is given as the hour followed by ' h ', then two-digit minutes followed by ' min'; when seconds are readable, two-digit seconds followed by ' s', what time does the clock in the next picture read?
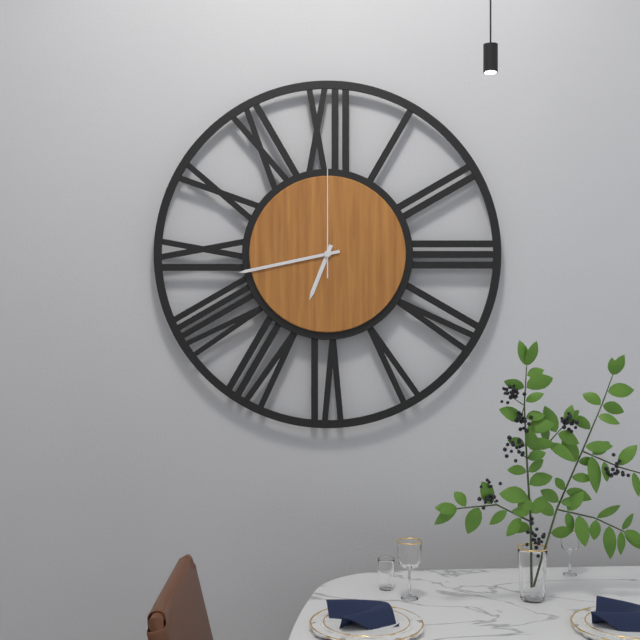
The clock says 6 h 43 min 00 s
